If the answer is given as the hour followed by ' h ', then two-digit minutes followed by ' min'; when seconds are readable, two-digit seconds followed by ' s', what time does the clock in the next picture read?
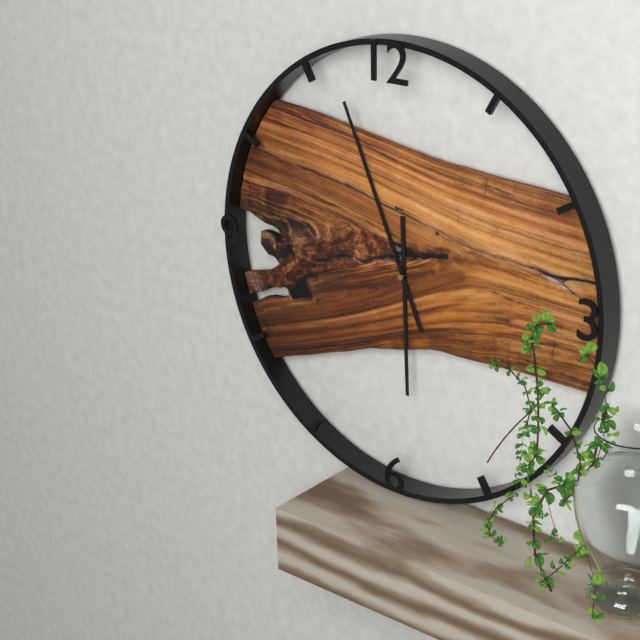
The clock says 5 h 56 min
